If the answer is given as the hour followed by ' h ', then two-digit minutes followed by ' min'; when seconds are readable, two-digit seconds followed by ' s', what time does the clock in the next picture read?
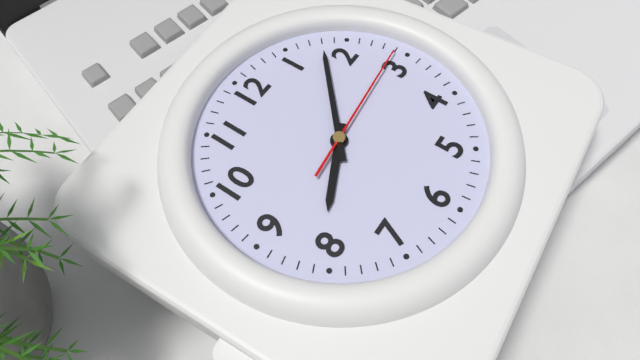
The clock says 8 h 08 min 14 s
